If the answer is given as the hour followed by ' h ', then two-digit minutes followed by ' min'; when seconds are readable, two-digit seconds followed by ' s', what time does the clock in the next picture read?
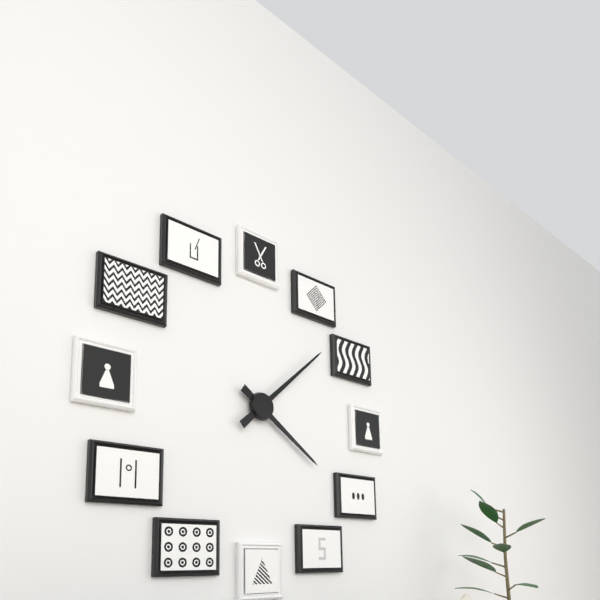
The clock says 4 h 08 min
